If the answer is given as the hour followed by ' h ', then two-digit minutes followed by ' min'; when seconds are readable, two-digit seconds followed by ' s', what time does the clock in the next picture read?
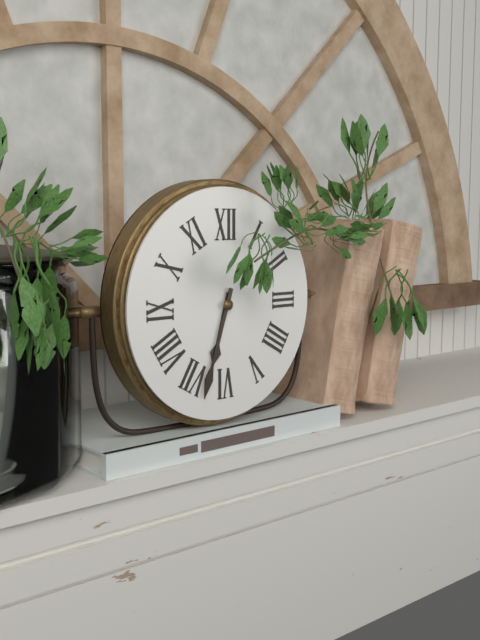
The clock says 6 h 33 min
